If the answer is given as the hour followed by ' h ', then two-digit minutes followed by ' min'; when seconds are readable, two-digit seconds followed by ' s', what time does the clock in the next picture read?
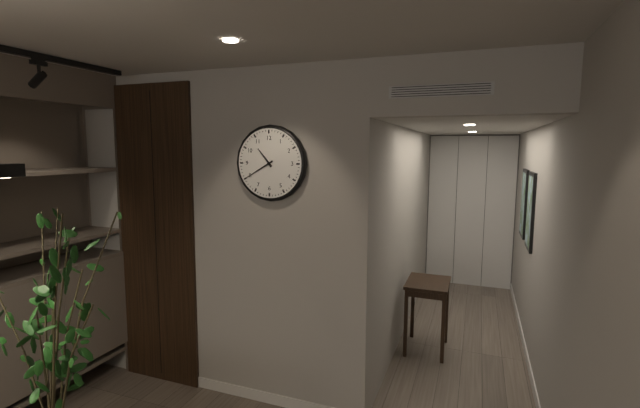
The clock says 10 h 40 min
